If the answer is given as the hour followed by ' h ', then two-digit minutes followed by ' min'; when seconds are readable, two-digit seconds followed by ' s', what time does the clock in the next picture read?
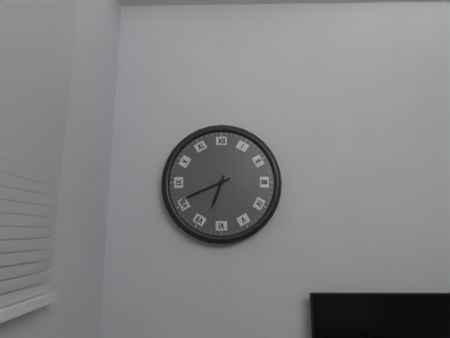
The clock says 6 h 41 min
